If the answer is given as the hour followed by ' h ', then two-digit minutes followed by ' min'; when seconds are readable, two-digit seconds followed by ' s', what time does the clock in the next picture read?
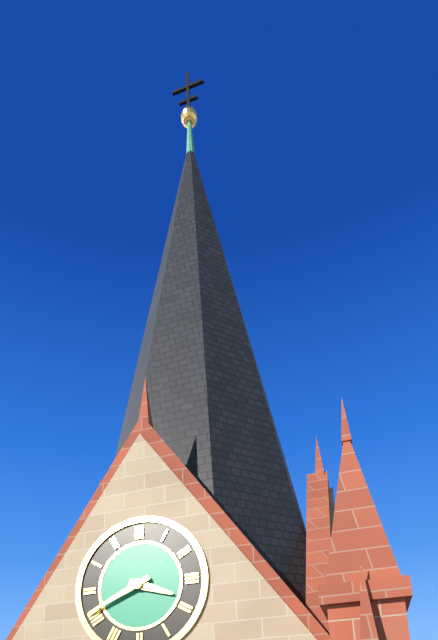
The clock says 3 h 41 min
